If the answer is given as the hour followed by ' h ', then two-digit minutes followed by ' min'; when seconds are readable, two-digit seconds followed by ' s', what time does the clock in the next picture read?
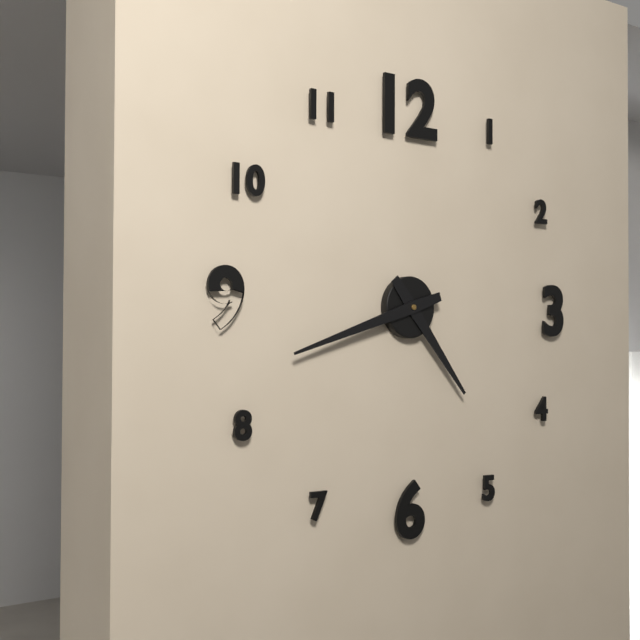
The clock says 4 h 42 min
